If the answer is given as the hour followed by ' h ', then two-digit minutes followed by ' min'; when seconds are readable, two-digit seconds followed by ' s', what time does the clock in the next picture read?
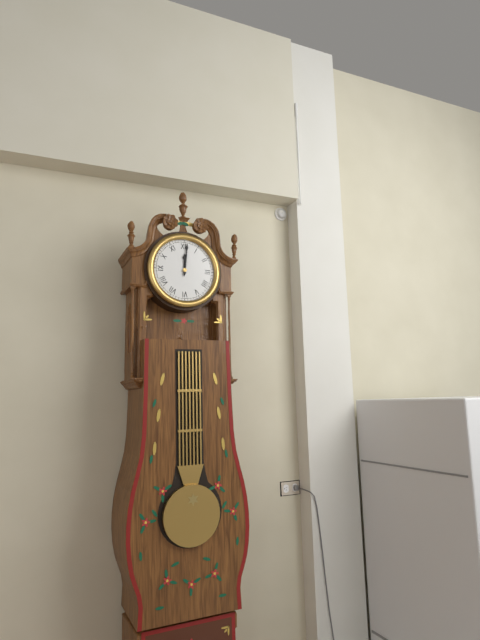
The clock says 12 h 01 min
